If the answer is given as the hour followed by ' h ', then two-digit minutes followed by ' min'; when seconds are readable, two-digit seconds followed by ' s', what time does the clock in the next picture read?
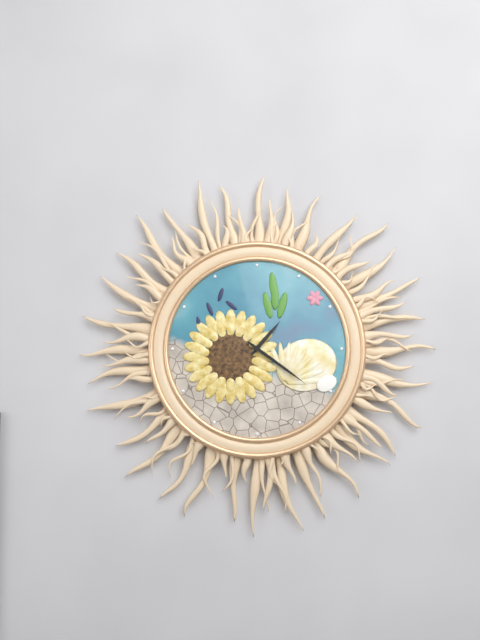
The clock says 1 h 21 min
